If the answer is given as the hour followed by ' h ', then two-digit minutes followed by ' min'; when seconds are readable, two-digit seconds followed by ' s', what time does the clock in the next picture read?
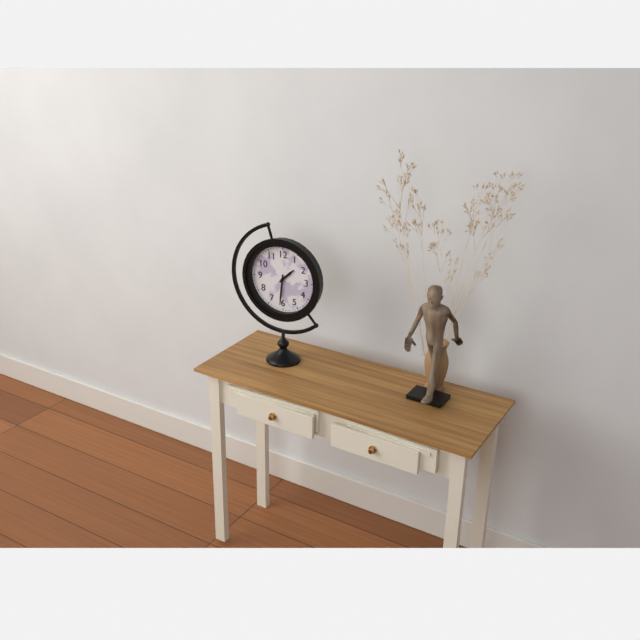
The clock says 1 h 31 min
